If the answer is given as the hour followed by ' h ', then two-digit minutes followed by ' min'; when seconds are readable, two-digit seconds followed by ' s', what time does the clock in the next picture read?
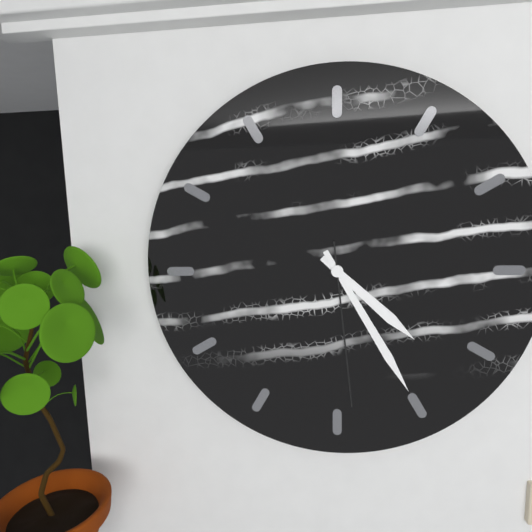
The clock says 4 h 25 min 29 s
